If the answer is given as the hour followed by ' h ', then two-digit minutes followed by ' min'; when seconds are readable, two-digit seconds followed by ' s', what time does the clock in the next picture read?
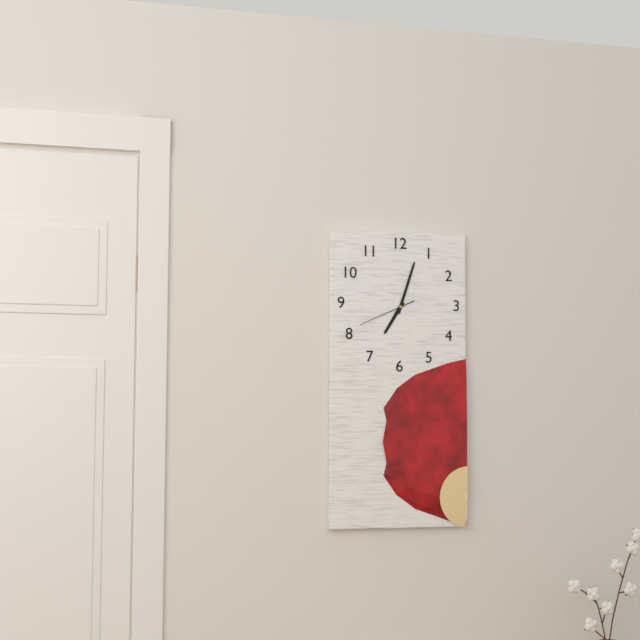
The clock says 7 h 03 min 41 s
